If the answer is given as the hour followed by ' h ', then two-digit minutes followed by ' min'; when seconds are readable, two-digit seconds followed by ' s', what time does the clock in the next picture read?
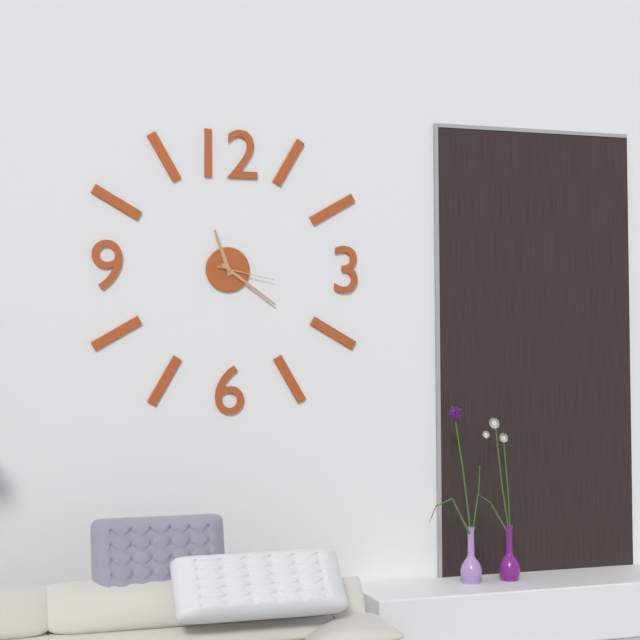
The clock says 11 h 21 min 17 s
